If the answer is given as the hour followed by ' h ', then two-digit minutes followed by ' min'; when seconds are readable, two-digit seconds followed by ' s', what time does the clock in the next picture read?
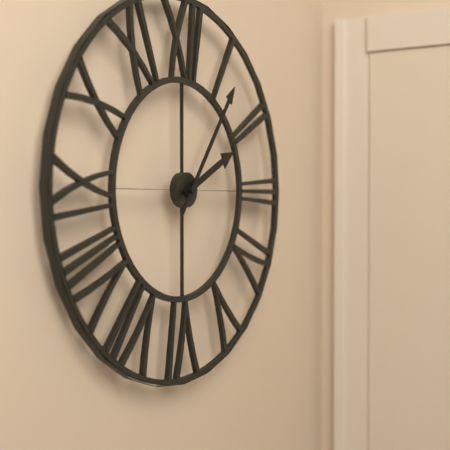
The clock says 2 h 06 min
